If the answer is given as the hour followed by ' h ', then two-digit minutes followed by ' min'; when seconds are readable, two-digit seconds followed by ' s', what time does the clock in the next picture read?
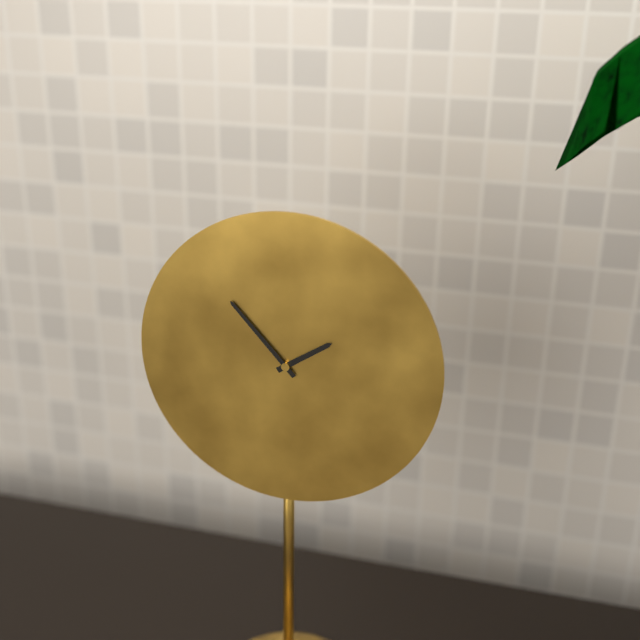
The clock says 1 h 53 min
